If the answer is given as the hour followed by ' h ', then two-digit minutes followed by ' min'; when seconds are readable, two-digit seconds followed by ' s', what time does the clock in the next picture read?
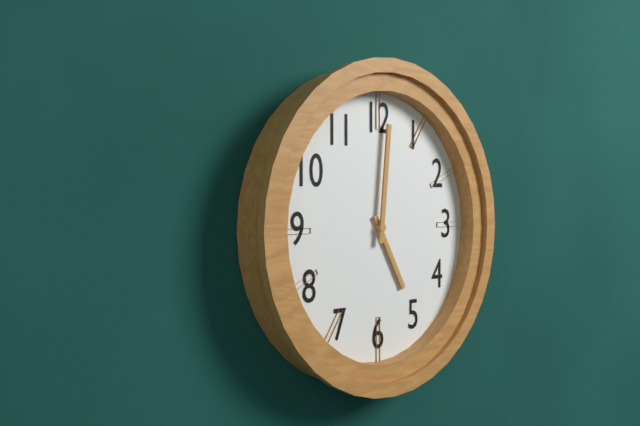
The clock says 5 h 01 min
